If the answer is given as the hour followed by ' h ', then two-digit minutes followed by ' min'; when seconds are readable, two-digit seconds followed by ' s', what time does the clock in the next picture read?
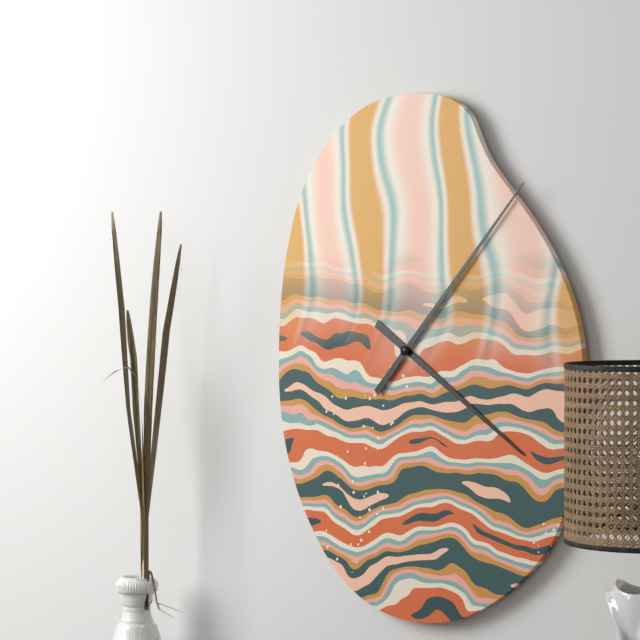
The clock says 4 h 07 min
